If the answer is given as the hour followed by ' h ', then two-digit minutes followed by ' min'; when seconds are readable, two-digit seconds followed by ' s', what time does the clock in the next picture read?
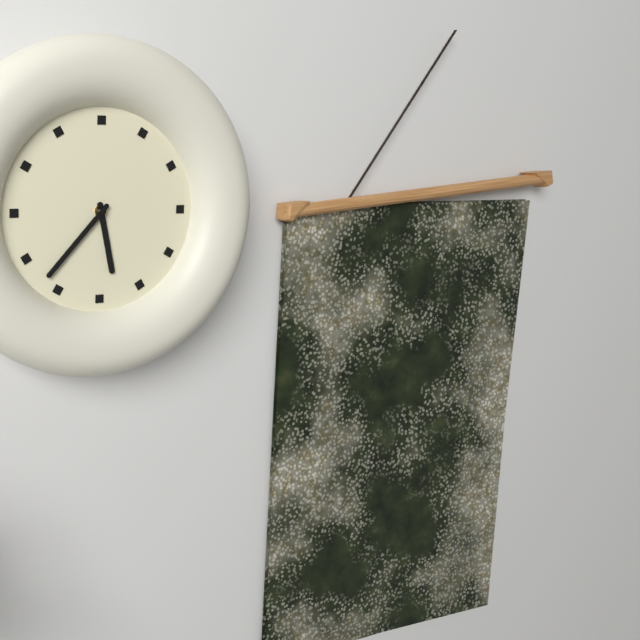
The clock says 5 h 37 min
